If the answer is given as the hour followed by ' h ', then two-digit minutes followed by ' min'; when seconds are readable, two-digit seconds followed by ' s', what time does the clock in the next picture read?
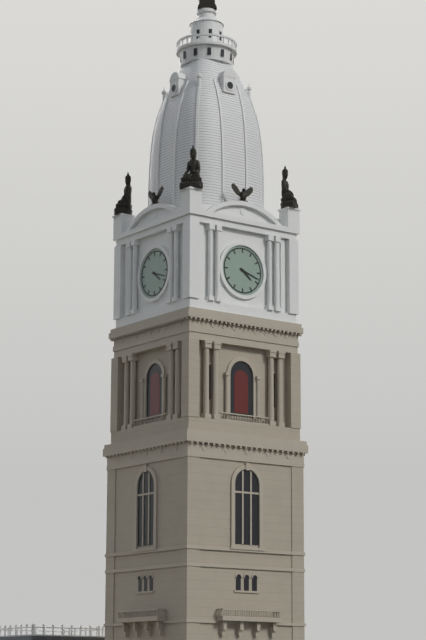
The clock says 4 h 18 min
